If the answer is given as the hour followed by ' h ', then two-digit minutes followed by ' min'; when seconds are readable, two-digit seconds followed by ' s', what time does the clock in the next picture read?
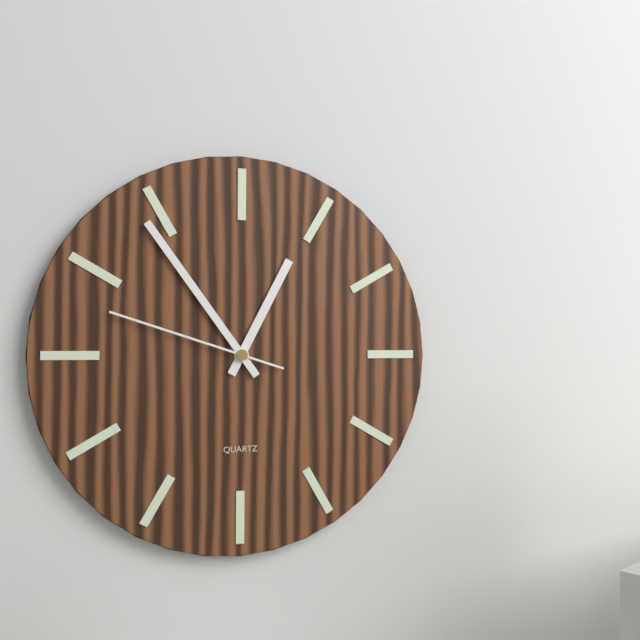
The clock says 12 h 54 min 48 s
